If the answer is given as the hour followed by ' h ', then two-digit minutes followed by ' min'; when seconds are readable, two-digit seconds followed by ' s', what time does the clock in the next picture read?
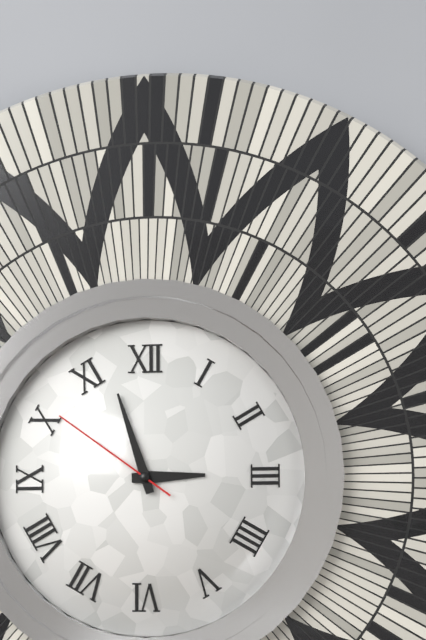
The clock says 2 h 57 min 51 s
